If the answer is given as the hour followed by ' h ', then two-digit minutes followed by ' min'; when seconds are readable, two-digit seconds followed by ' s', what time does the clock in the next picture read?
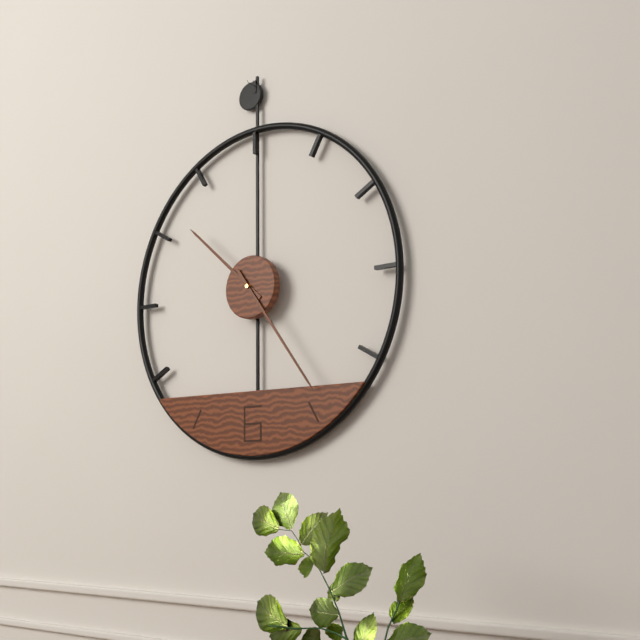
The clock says 10 h 24 min
